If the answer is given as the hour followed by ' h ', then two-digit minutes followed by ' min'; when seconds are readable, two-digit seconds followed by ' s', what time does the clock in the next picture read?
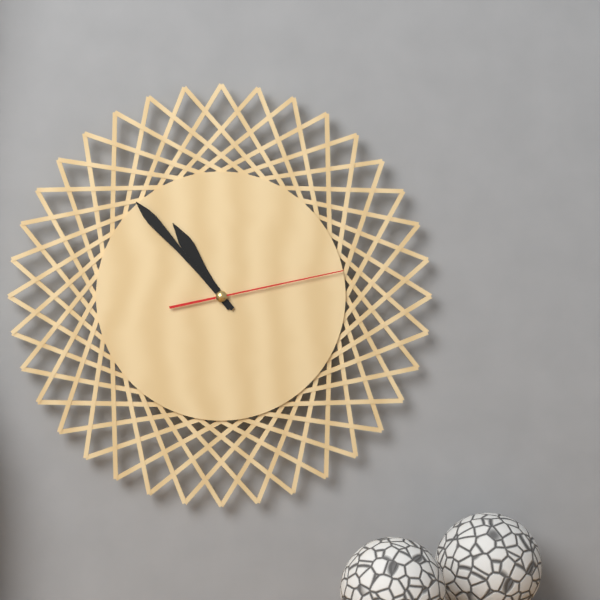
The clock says 10 h 53 min 13 s
